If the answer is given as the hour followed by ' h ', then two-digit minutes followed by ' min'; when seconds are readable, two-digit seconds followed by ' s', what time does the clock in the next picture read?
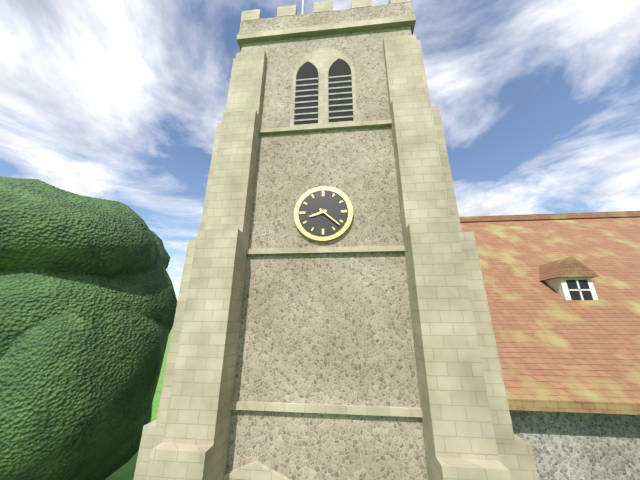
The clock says 8 h 22 min
